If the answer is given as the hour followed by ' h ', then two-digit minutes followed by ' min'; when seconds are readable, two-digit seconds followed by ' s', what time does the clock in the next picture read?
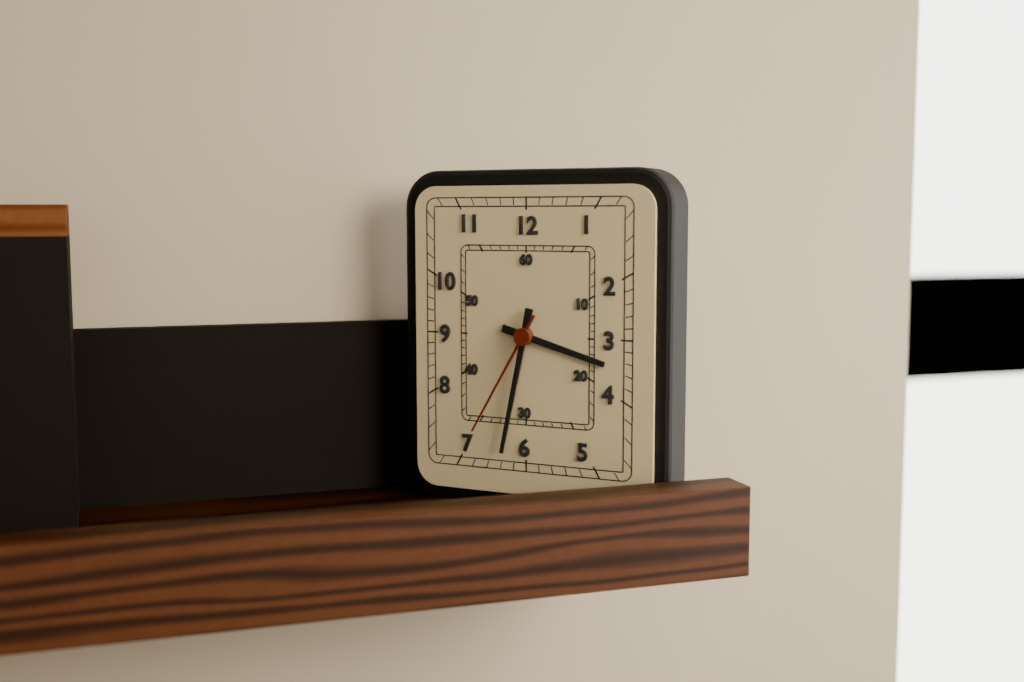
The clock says 3 h 32 min 35 s
